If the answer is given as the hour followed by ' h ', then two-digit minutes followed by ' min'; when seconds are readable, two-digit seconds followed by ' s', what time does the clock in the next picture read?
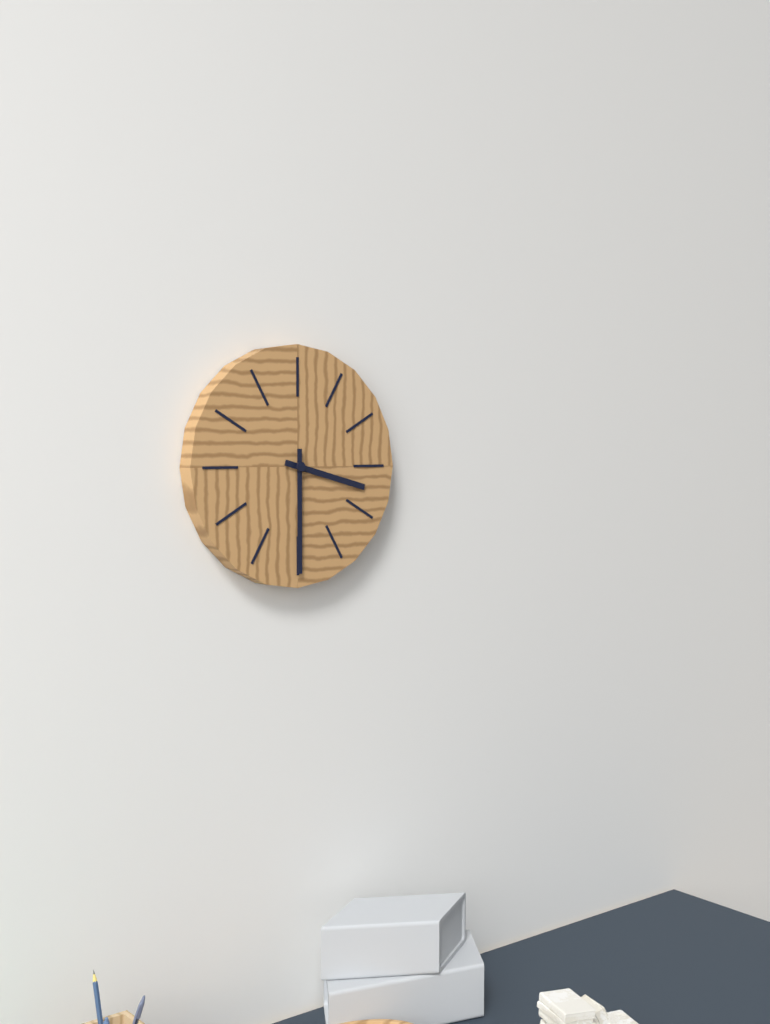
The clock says 3 h 30 min
